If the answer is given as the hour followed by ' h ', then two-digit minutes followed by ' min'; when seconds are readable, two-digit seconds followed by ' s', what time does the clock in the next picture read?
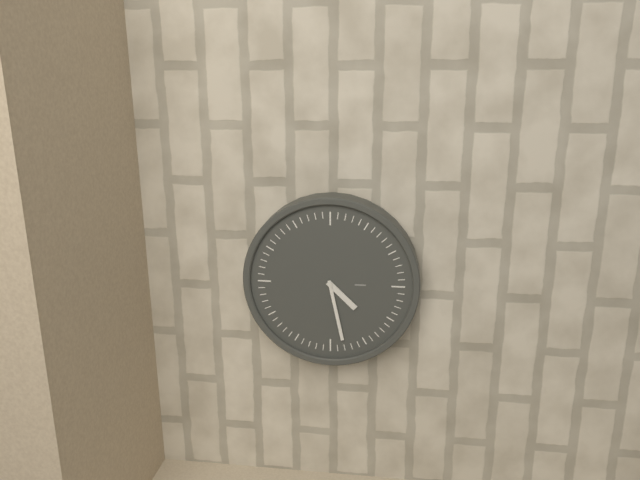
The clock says 4 h 28 min
